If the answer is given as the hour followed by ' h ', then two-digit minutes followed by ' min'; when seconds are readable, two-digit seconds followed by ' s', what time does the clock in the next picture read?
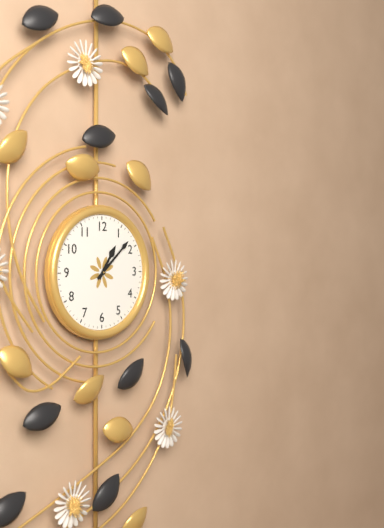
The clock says 1 h 08 min
